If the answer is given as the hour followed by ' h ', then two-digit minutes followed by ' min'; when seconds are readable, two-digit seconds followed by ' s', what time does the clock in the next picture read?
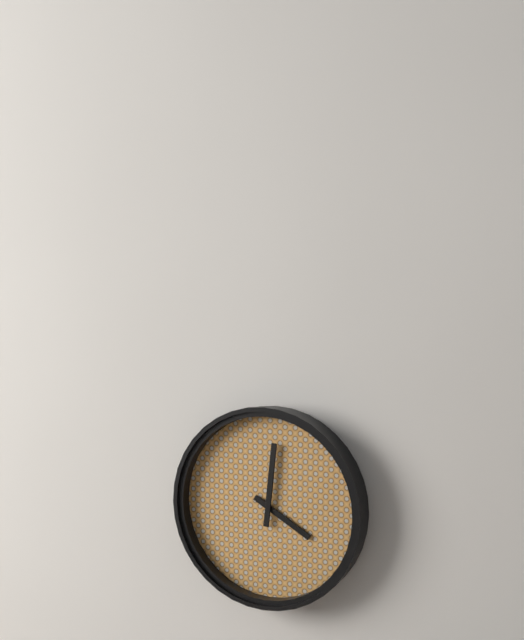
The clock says 4 h 01 min
